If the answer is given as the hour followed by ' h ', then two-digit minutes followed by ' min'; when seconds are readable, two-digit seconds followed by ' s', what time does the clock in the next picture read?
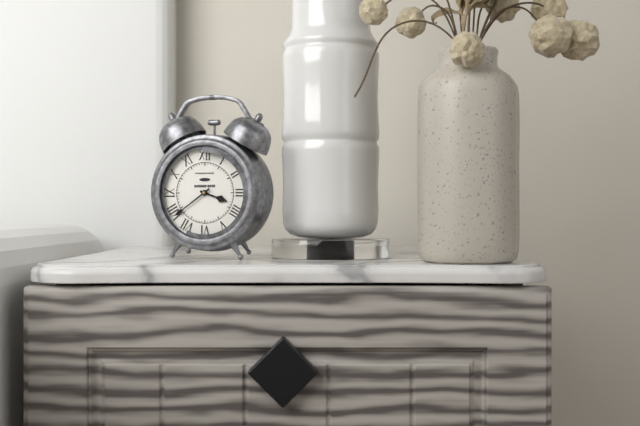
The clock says 3 h 39 min
